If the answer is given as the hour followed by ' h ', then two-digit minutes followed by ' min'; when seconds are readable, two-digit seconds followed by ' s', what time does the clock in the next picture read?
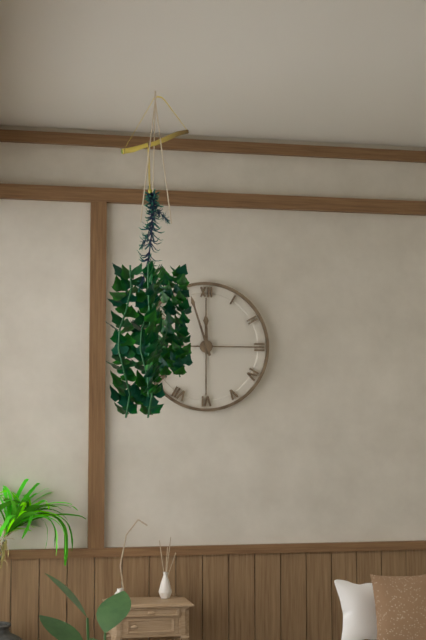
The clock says 11 h 57 min
